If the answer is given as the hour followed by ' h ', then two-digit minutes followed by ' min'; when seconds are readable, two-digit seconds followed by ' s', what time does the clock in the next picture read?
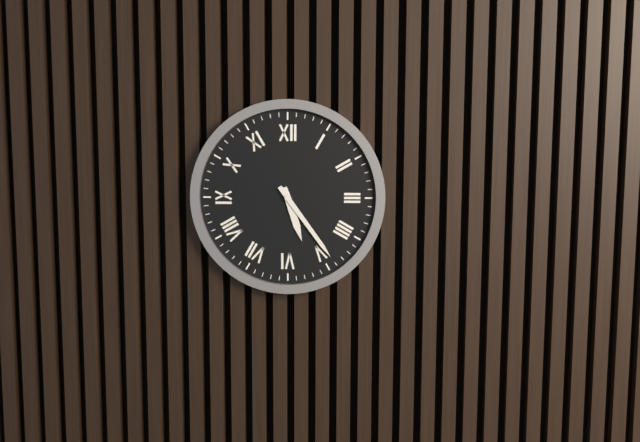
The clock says 5 h 24 min
